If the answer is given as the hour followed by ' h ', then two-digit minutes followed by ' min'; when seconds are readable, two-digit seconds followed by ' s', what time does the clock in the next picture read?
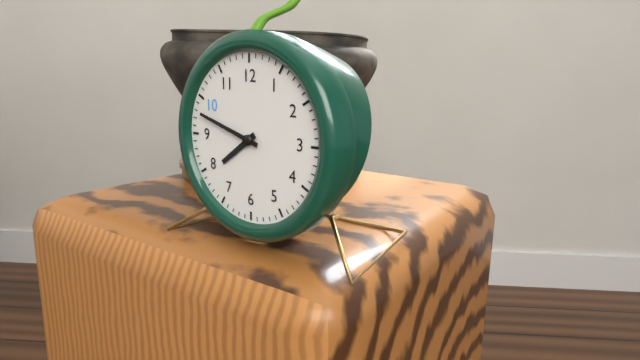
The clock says 7 h 48 min
